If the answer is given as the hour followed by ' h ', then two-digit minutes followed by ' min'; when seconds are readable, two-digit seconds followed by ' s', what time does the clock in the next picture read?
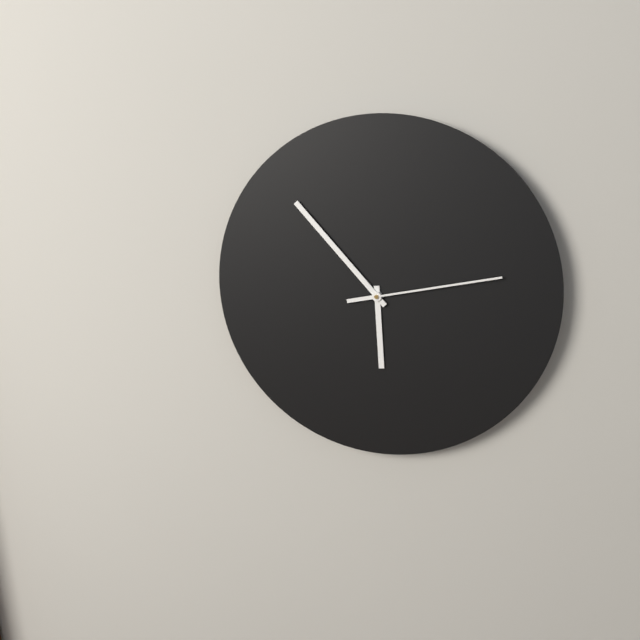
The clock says 5 h 53 min 13 s
